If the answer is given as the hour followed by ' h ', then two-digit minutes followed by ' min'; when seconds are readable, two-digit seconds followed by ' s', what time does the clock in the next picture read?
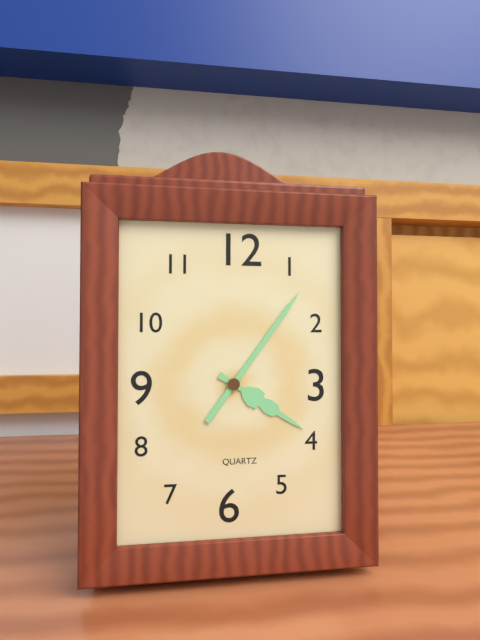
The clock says 4 h 06 min
